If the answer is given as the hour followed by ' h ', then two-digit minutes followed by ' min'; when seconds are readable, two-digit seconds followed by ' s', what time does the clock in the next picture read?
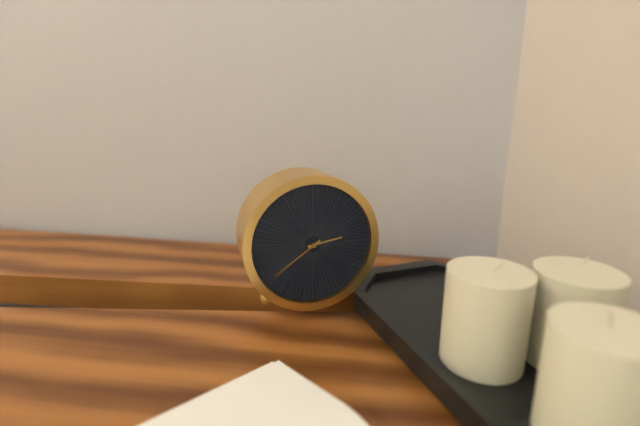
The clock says 2 h 39 min
